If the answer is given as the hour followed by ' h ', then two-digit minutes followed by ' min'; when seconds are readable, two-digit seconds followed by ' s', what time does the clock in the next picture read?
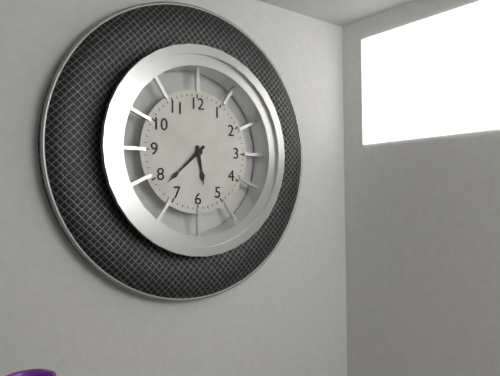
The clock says 5 h 38 min
